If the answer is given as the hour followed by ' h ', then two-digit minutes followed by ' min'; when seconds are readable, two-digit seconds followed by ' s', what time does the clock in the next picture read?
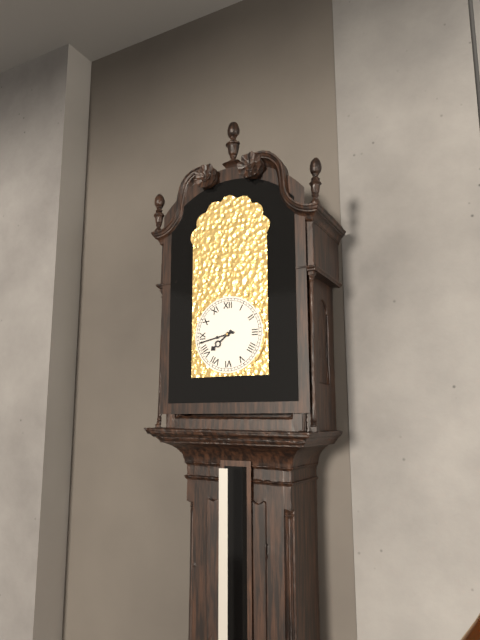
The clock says 7 h 43 min
